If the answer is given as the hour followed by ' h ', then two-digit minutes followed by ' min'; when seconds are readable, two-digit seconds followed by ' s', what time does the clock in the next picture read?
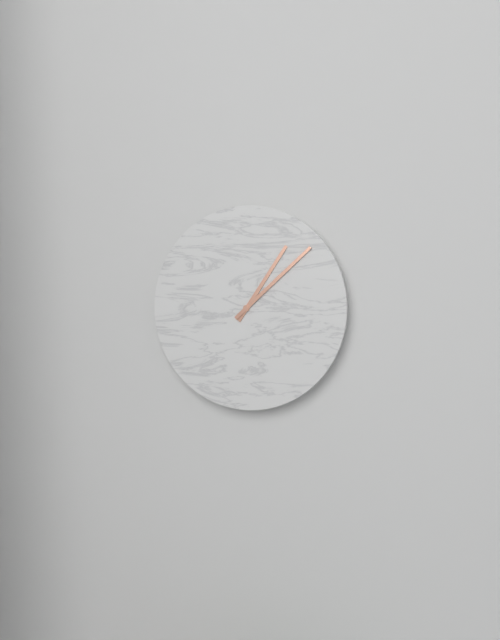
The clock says 1 h 08 min
